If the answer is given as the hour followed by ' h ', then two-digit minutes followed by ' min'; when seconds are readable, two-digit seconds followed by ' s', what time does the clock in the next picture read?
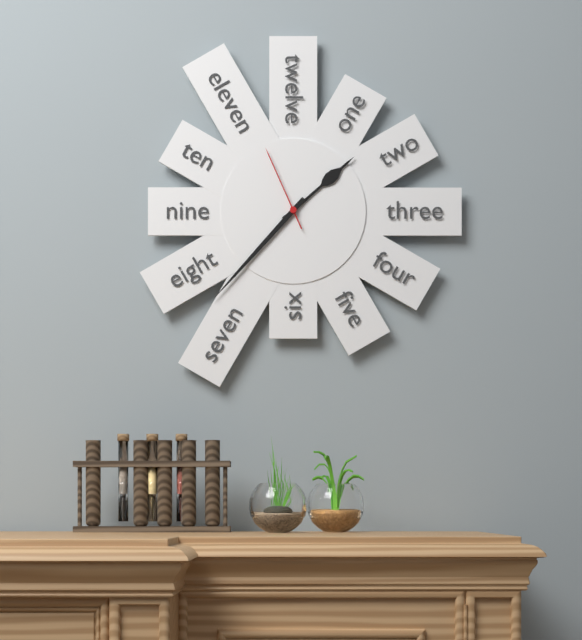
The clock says 1 h 37 min 56 s
